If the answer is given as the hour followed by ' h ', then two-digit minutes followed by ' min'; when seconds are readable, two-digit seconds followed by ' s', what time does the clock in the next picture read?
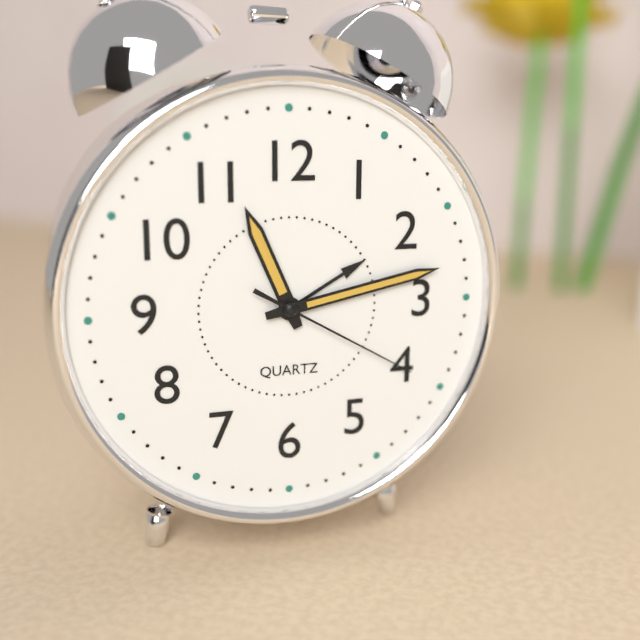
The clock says 11 h 13 min 20 s
